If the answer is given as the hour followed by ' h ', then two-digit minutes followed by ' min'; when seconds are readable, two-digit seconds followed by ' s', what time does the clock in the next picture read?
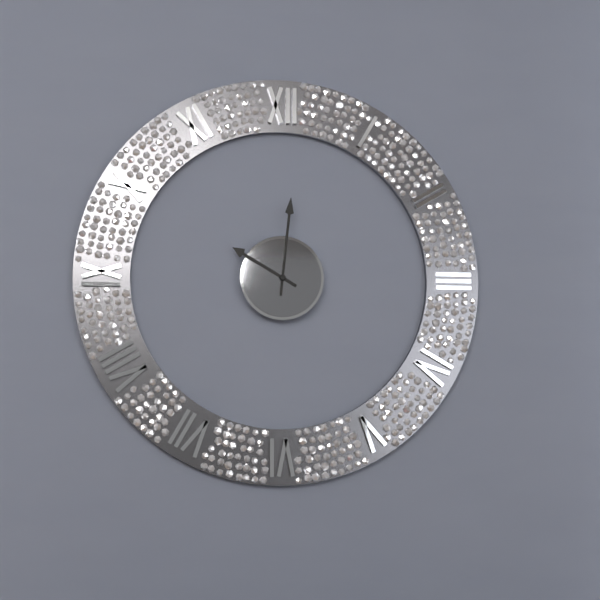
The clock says 10 h 01 min
